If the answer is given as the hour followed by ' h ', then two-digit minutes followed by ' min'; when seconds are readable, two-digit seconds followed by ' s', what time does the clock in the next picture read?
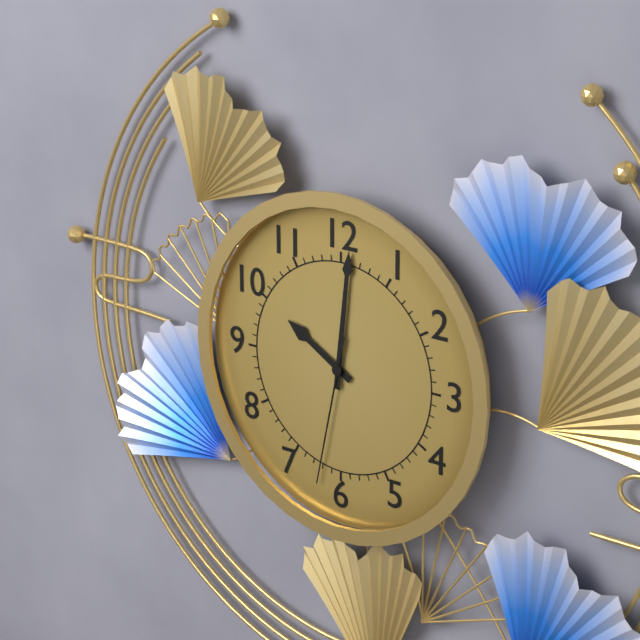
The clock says 10 h 01 min 32 s
